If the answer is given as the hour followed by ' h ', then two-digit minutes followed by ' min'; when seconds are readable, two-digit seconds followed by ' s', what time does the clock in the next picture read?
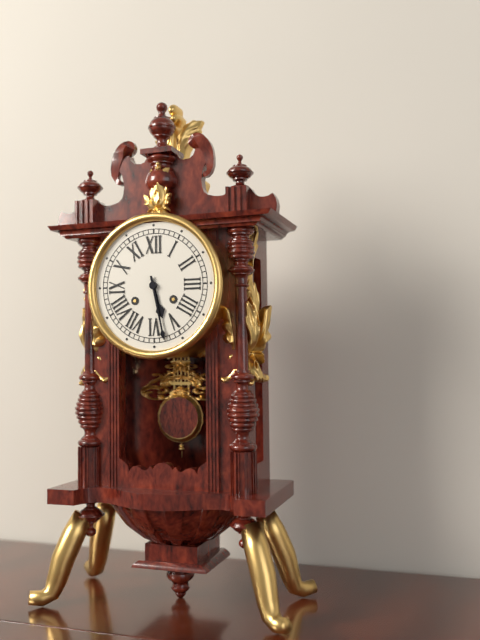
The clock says 5 h 28 min
